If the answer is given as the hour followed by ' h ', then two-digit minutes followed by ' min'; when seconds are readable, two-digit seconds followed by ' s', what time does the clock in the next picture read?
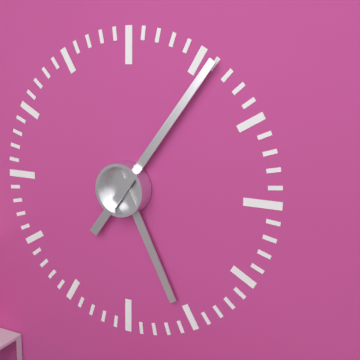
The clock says 5 h 06 min
